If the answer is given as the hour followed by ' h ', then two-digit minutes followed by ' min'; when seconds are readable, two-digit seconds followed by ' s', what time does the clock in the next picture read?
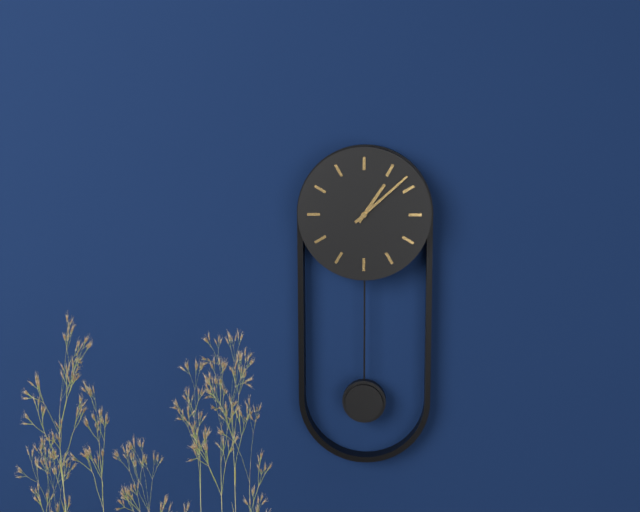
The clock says 1 h 08 min
